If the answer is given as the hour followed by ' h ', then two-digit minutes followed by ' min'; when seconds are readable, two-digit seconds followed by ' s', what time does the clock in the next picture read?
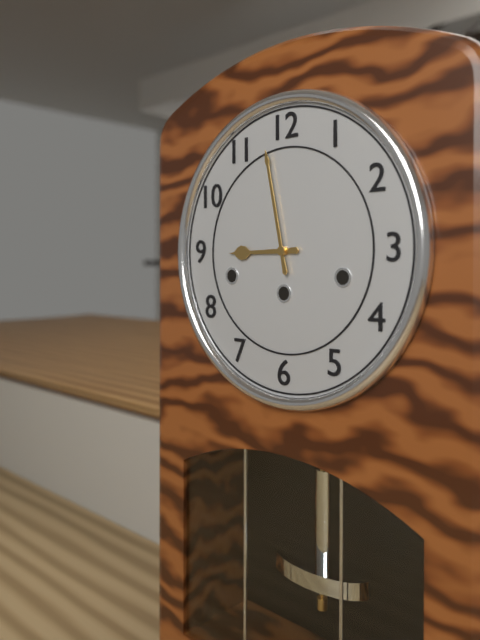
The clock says 8 h 58 min
